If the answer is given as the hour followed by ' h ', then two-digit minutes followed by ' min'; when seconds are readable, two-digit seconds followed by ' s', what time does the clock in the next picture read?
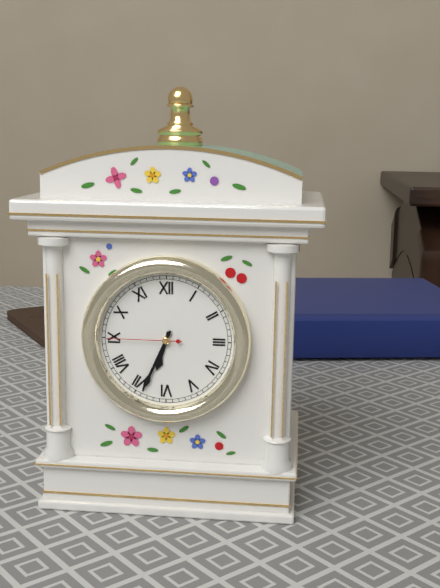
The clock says 6 h 34 min 45 s
